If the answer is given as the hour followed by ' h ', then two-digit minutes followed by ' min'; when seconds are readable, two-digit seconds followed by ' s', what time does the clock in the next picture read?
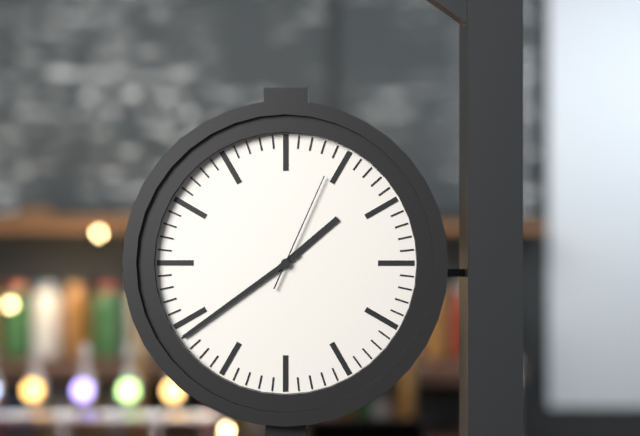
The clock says 1 h 39 min 04 s
